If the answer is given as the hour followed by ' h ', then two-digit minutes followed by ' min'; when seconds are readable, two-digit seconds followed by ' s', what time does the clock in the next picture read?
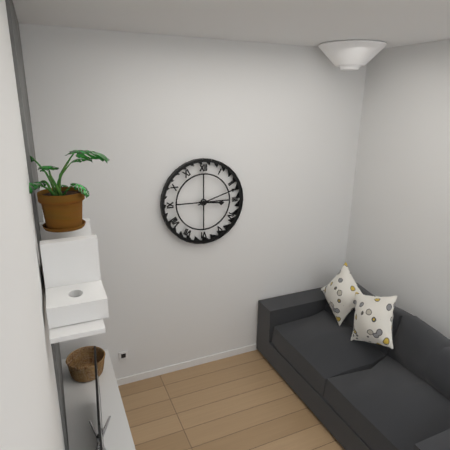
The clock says 3 h 12 min
